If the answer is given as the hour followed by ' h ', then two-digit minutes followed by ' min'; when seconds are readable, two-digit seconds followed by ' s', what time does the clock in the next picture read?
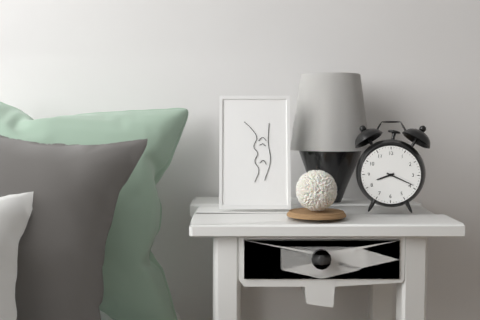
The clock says 8 h 19 min
